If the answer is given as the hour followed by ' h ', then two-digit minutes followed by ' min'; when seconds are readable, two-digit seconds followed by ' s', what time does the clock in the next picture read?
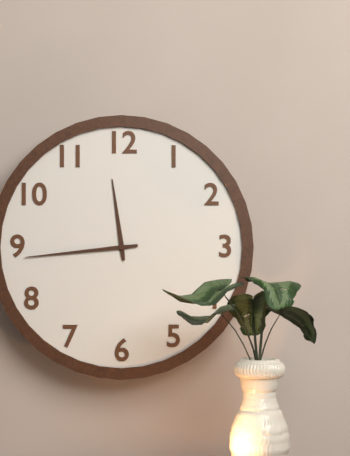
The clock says 11 h 44 min
